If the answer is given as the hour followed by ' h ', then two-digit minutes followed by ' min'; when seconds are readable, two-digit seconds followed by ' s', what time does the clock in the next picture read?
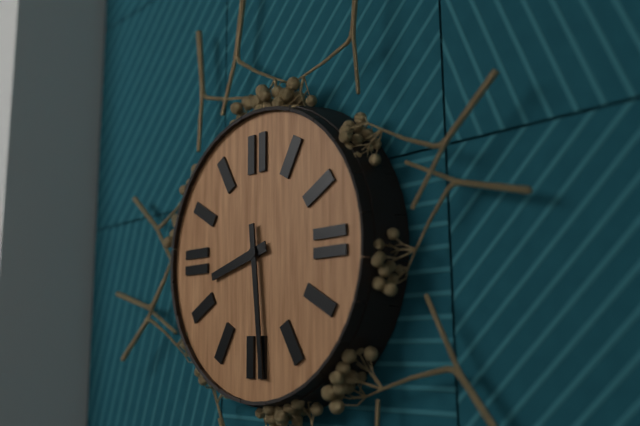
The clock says 8 h 29 min
